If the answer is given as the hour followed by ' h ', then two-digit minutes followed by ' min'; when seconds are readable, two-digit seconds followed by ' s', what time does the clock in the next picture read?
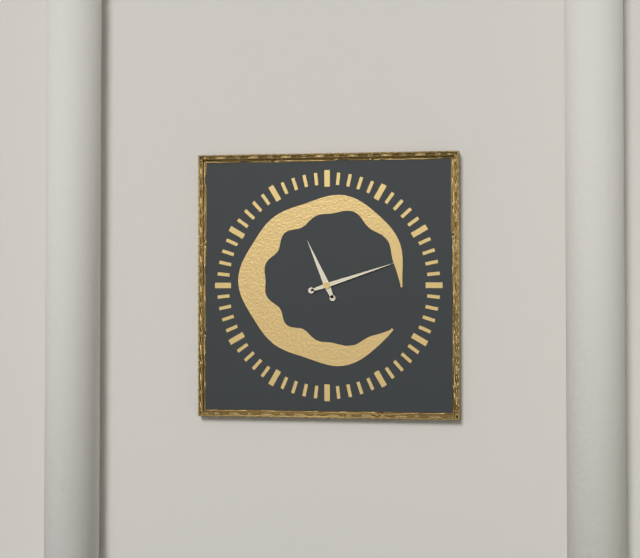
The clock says 11 h 12 min
